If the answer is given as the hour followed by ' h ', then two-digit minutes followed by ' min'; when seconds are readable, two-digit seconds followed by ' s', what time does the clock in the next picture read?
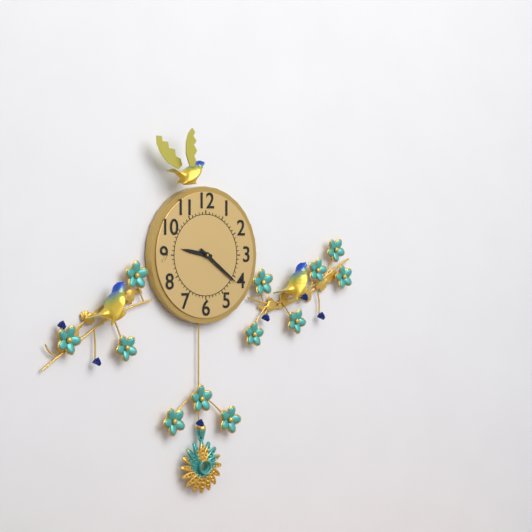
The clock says 9 h 21 min
